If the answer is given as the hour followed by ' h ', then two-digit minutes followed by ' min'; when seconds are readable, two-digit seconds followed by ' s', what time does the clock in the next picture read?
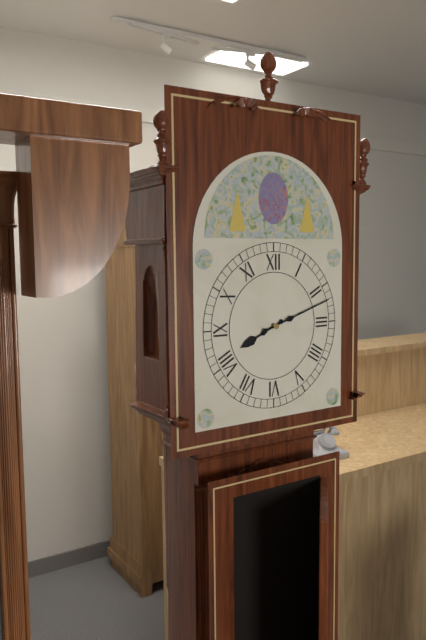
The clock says 8 h 12 min
